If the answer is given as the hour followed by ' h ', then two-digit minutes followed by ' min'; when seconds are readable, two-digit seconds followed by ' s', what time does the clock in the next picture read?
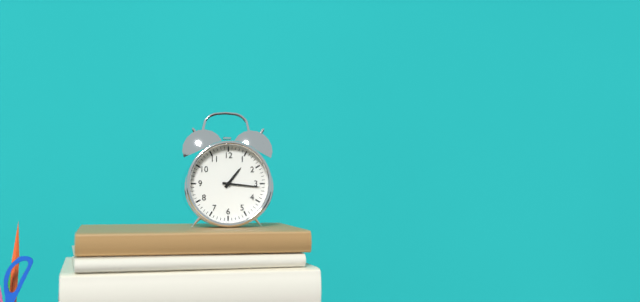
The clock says 1 h 16 min
